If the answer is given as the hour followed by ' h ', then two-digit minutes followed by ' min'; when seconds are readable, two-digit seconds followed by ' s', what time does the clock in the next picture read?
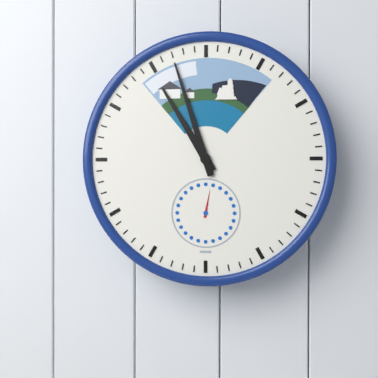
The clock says 10 h 57 min
